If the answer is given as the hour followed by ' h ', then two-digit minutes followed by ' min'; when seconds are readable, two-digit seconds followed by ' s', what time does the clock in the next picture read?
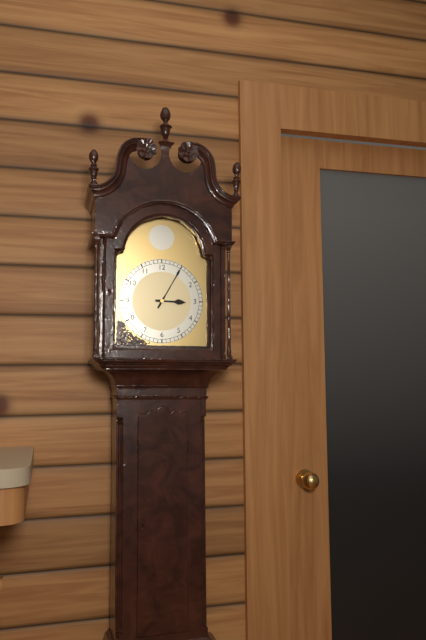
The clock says 3 h 05 min
